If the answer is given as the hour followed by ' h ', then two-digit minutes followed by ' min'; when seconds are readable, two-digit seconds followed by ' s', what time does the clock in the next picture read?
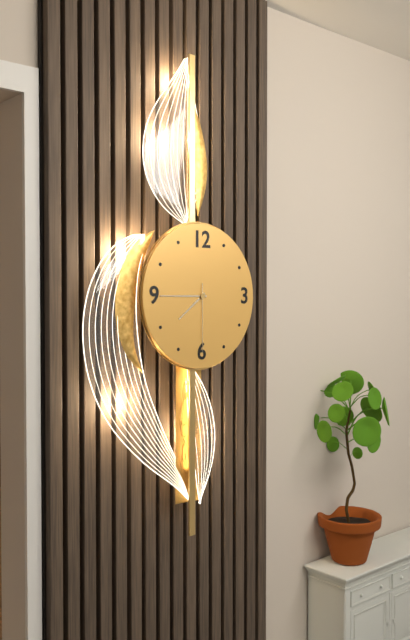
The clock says 7 h 45 min 30 s
